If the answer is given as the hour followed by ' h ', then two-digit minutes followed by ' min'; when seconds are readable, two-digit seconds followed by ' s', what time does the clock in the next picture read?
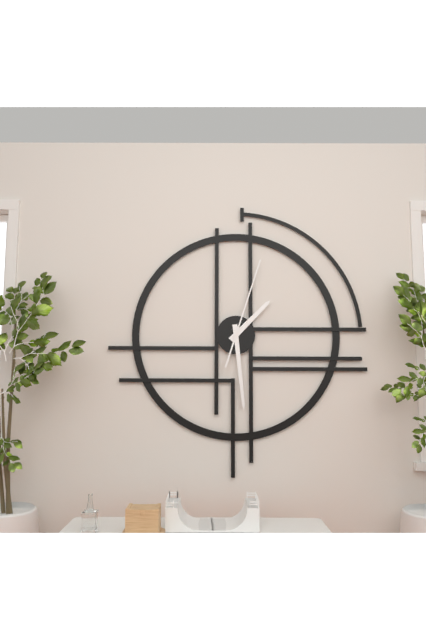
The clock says 1 h 29 min 03 s
